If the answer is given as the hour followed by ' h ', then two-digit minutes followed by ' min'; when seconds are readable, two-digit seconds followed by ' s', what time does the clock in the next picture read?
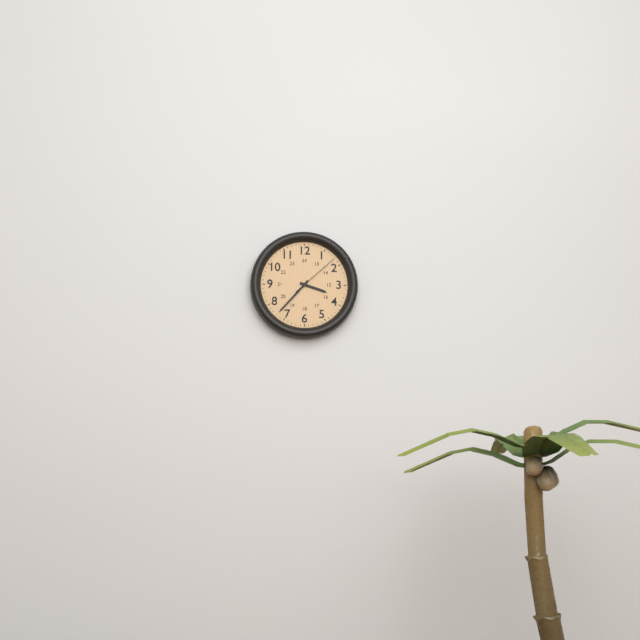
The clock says 3 h 37 min 08 s
